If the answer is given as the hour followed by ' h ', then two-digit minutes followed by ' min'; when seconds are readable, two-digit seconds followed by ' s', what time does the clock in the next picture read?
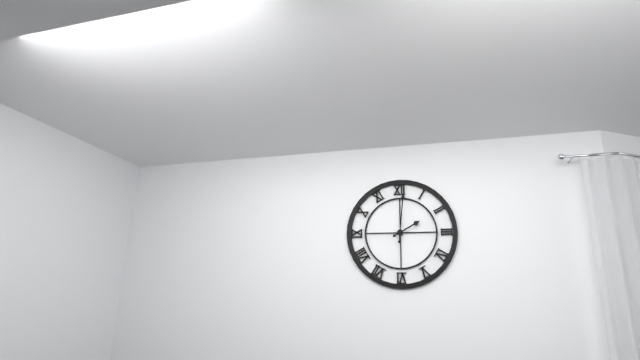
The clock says 2 h 01 min
